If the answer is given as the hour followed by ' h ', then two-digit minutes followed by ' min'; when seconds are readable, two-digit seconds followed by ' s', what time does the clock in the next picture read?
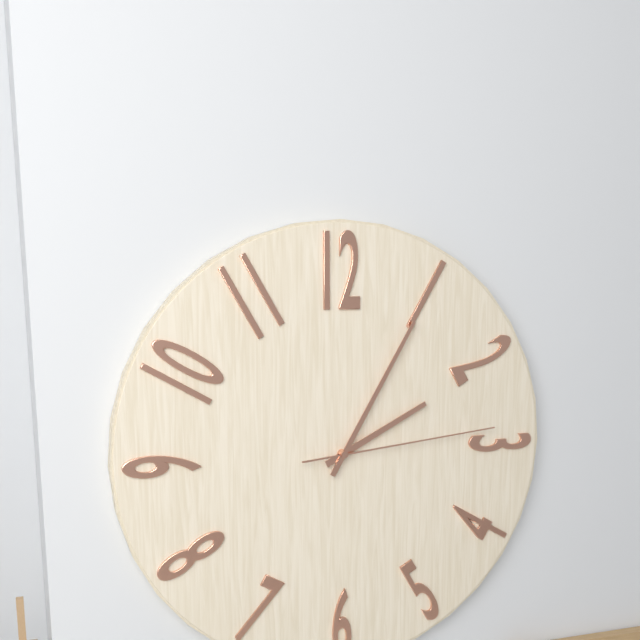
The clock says 2 h 05 min 14 s
